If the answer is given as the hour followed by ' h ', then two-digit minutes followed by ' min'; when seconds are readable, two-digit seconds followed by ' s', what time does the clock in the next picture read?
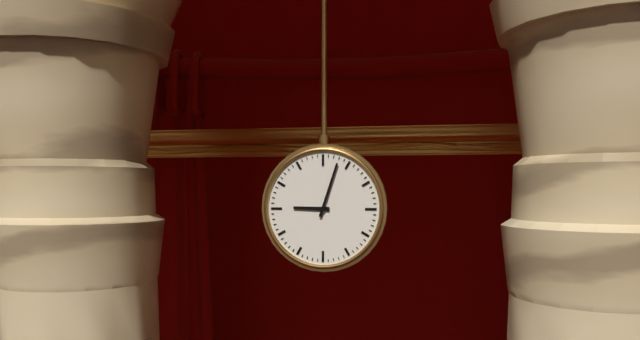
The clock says 9 h 03 min
